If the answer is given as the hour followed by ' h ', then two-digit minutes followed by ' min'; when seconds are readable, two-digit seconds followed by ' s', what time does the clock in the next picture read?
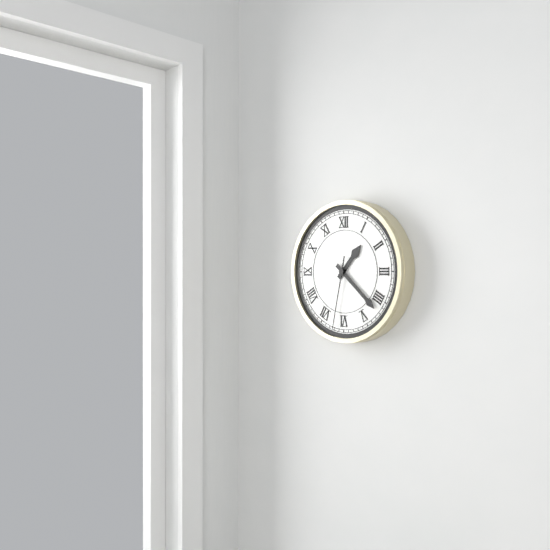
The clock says 1 h 22 min 32 s
